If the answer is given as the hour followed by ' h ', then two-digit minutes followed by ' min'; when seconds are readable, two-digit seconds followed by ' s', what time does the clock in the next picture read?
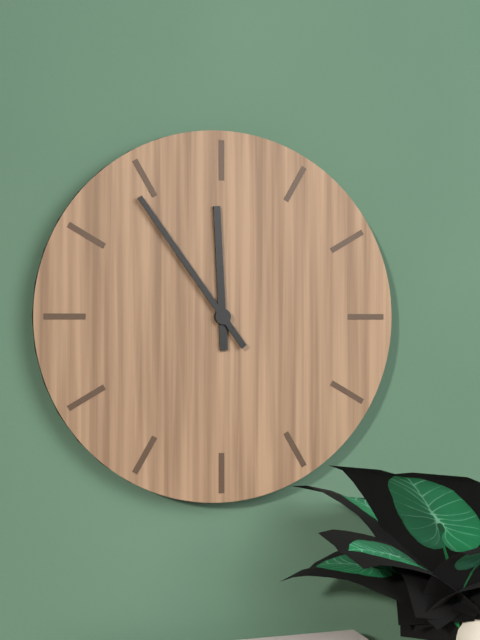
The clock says 11 h 54 min
